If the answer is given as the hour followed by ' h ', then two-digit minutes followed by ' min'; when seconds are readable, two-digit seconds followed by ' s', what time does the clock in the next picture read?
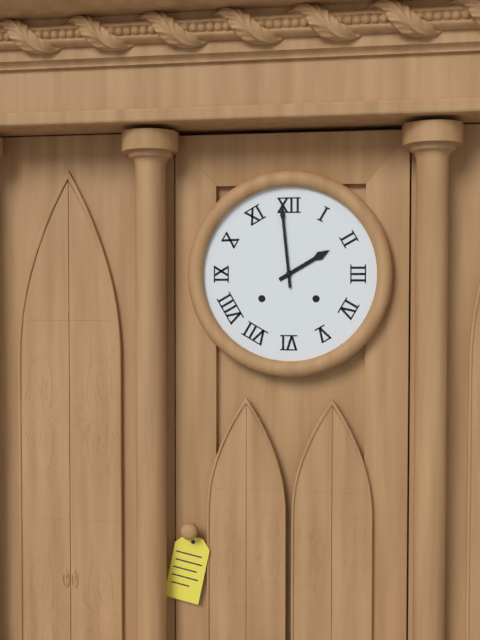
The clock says 1 h 59 min
